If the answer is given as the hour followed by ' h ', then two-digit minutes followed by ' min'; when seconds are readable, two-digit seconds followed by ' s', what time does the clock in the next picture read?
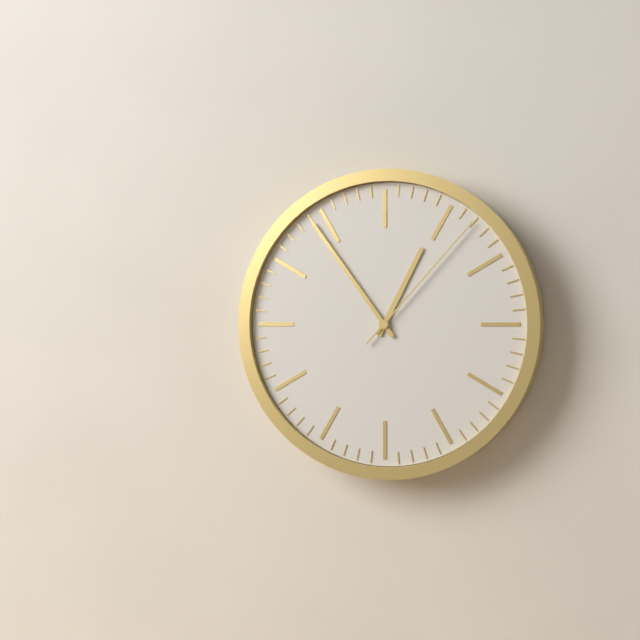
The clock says 12 h 54 min 07 s
